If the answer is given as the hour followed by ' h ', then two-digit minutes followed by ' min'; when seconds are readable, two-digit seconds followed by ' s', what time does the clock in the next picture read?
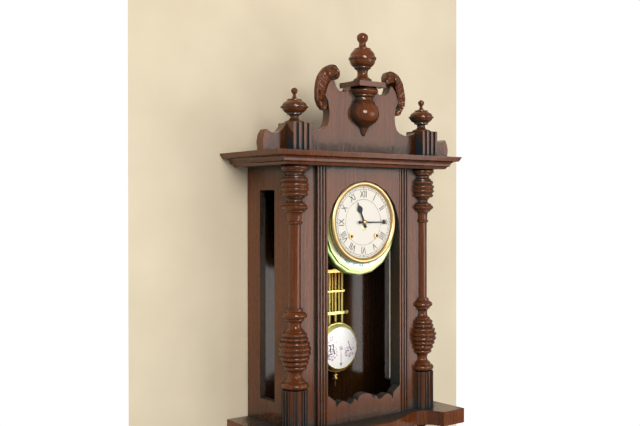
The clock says 11 h 15 min
